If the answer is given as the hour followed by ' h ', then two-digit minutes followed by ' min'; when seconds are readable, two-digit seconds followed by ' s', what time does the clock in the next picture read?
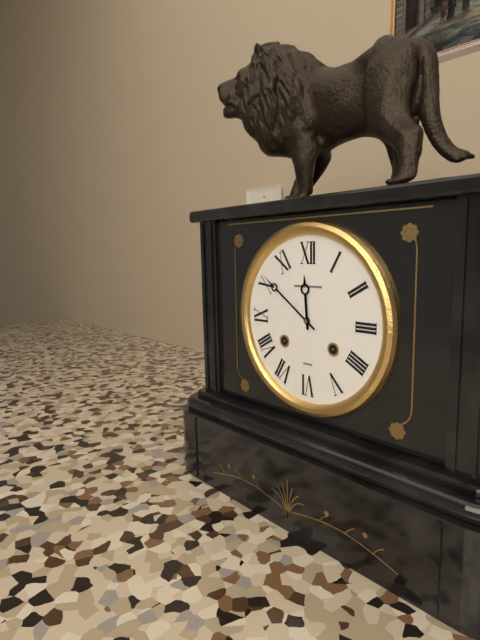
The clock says 11 h 51 min
